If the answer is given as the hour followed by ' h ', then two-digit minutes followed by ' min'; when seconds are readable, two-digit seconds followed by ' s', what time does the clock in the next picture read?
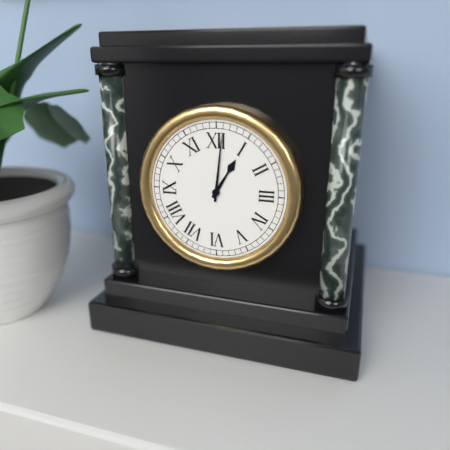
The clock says 1 h 01 min
